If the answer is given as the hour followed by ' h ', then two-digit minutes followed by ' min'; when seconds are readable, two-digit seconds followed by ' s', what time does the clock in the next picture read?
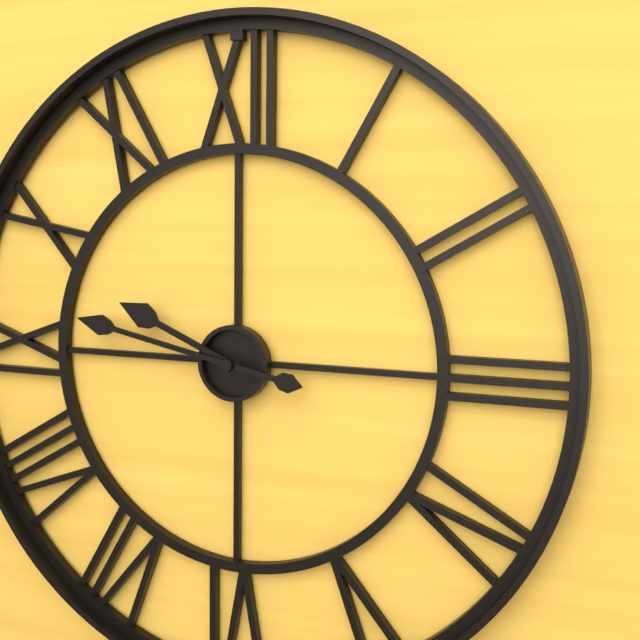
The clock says 9 h 47 min
